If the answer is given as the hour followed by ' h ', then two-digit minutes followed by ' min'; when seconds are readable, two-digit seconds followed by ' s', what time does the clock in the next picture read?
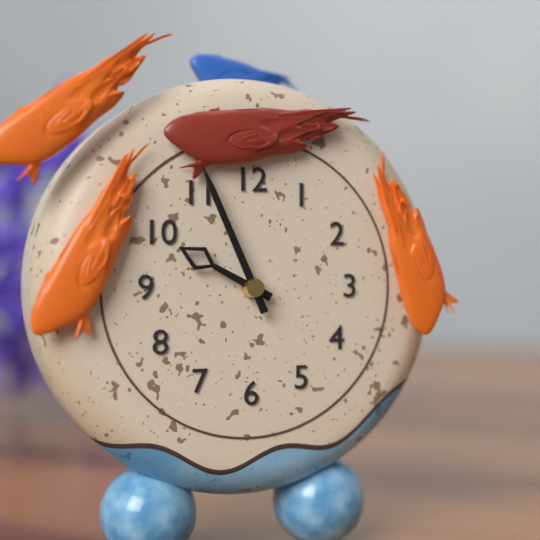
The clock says 9 h 56 min
